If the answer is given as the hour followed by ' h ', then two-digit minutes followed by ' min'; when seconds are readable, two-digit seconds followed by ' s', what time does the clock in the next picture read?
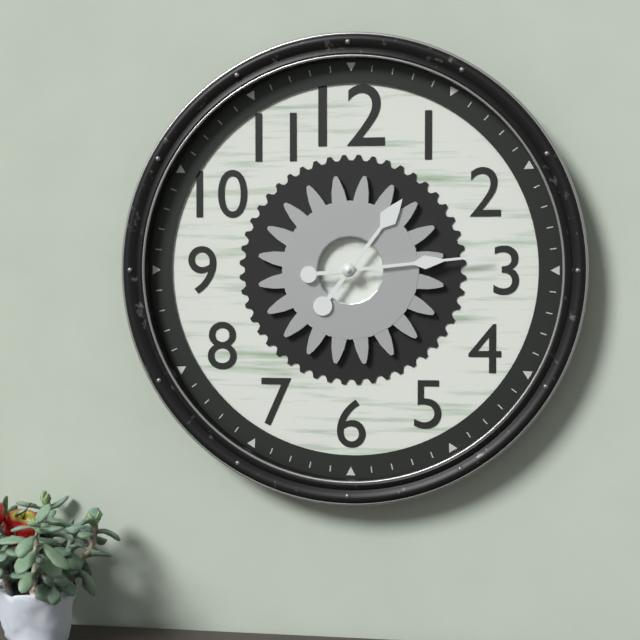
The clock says 1 h 14 min
